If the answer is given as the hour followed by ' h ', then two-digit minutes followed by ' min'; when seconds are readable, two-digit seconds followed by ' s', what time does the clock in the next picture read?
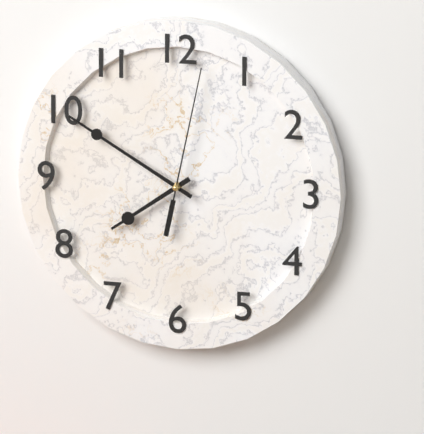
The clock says 7 h 50 min 02 s
